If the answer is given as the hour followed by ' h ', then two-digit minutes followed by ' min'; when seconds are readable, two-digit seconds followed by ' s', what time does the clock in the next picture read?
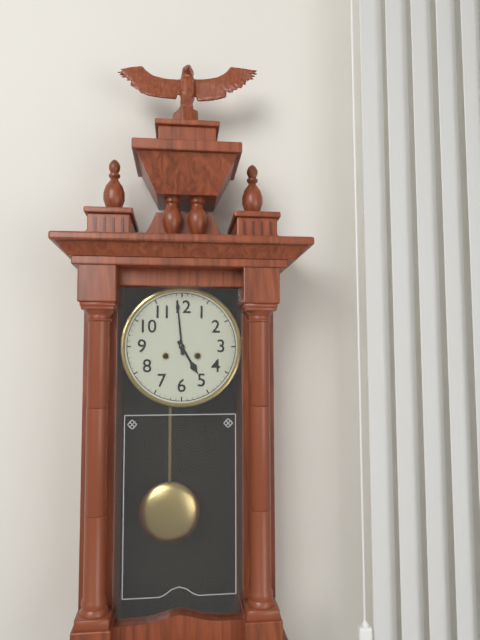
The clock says 4 h 59 min
